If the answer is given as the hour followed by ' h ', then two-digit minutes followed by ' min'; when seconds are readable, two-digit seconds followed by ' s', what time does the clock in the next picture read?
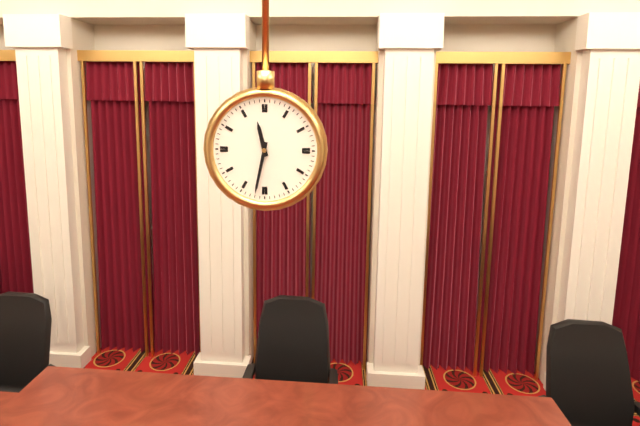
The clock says 11 h 32 min
